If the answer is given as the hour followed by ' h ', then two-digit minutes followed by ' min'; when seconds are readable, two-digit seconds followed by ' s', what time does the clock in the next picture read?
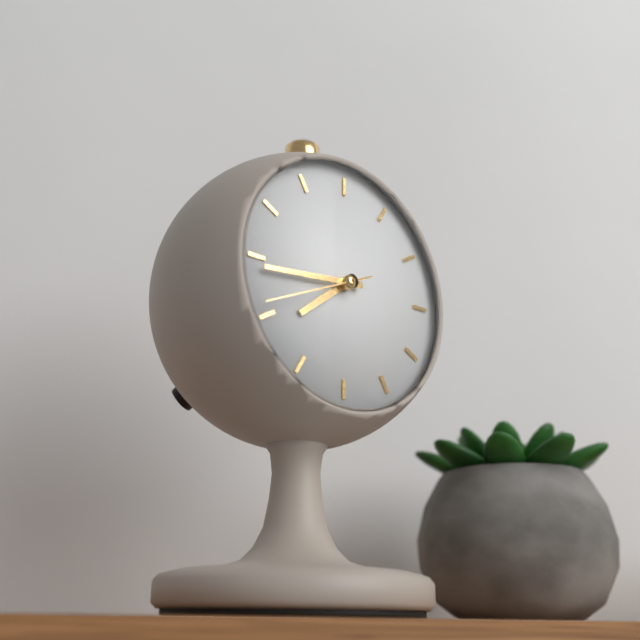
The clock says 7 h 44 min 41 s
